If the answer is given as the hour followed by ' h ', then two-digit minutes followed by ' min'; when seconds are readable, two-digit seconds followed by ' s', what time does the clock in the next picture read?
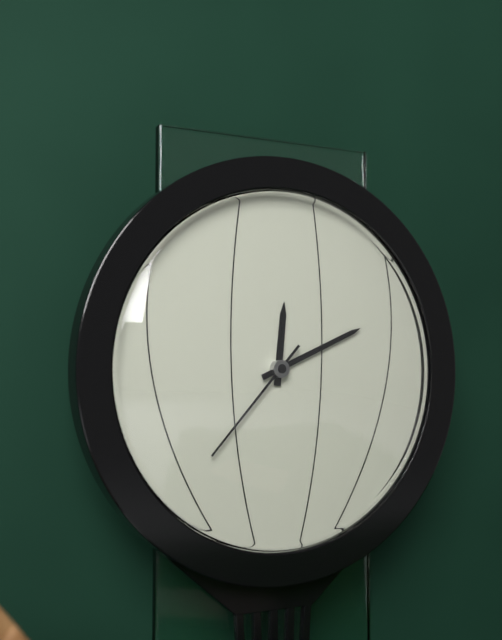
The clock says 12 h 11 min 37 s
